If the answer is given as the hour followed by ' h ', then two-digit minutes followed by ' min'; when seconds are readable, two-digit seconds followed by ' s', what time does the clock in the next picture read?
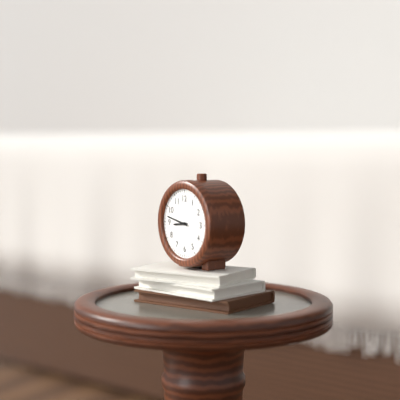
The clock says 8 h 47 min
